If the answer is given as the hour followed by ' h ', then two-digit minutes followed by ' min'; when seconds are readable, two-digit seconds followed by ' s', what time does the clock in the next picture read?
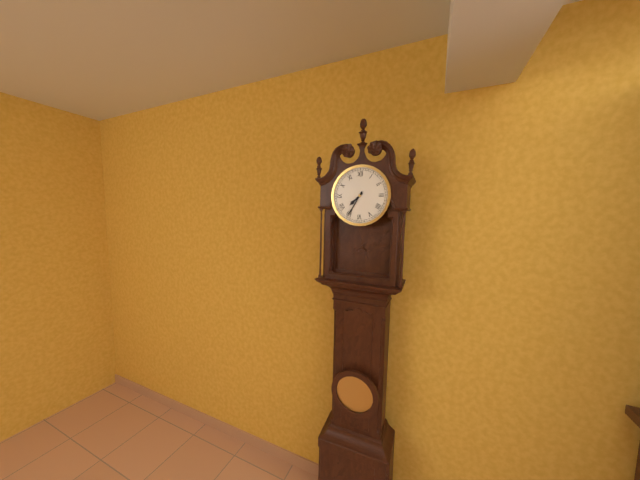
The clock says 7 h 35 min
